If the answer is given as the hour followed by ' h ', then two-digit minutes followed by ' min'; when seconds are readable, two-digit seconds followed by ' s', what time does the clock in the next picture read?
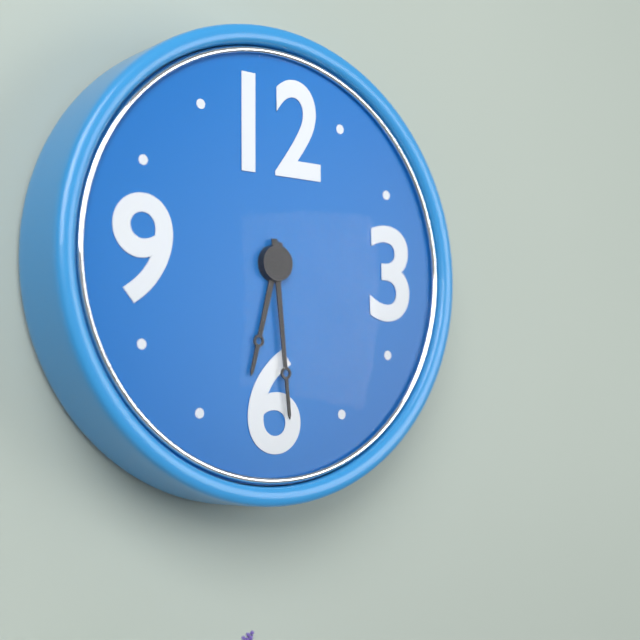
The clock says 6 h 29 min
